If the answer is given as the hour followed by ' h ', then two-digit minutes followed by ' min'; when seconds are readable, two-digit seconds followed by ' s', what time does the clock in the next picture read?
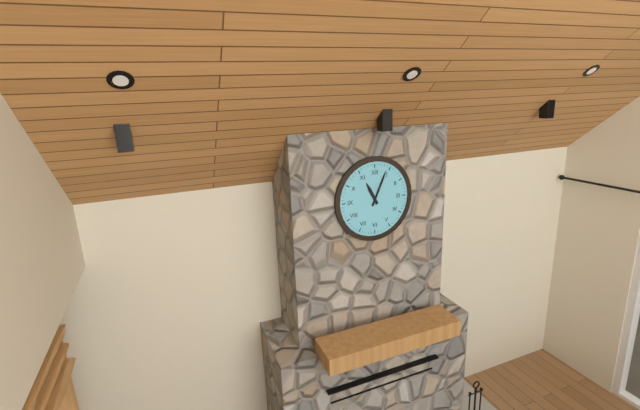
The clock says 11 h 04 min
